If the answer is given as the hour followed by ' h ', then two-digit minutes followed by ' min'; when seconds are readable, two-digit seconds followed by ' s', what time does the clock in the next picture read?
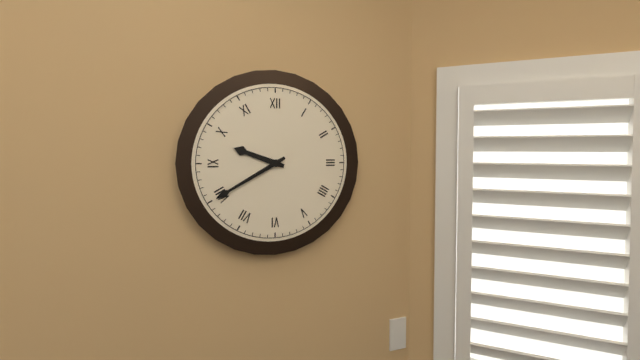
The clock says 9 h 40 min
